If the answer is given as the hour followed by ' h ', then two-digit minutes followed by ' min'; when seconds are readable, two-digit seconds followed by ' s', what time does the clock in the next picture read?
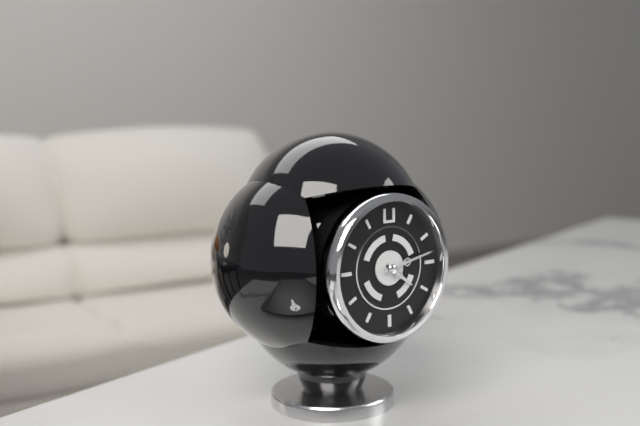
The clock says 4 h 13 min
